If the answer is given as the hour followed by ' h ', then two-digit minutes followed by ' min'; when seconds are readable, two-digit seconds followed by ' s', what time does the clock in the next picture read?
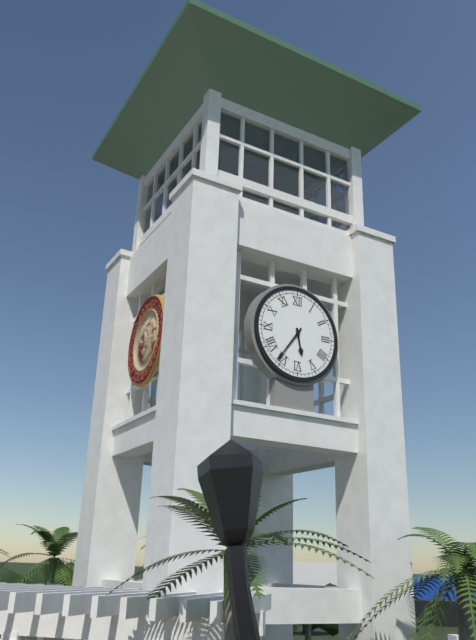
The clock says 5 h 36 min
